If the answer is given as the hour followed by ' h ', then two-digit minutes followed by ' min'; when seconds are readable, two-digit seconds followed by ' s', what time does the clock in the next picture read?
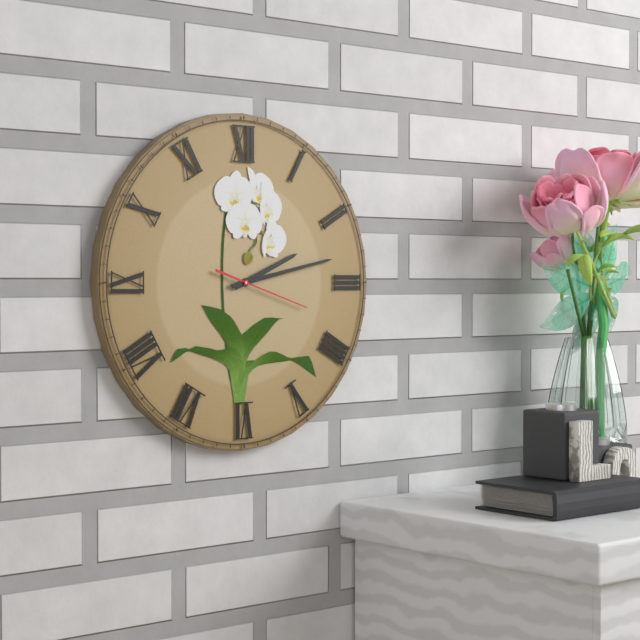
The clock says 2 h 13 min 18 s
